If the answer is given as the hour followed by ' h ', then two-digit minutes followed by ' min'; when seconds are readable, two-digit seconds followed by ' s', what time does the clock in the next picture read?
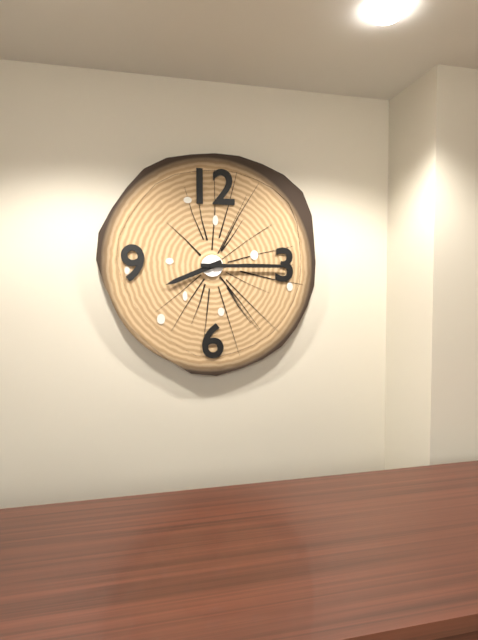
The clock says 8 h 15 min
